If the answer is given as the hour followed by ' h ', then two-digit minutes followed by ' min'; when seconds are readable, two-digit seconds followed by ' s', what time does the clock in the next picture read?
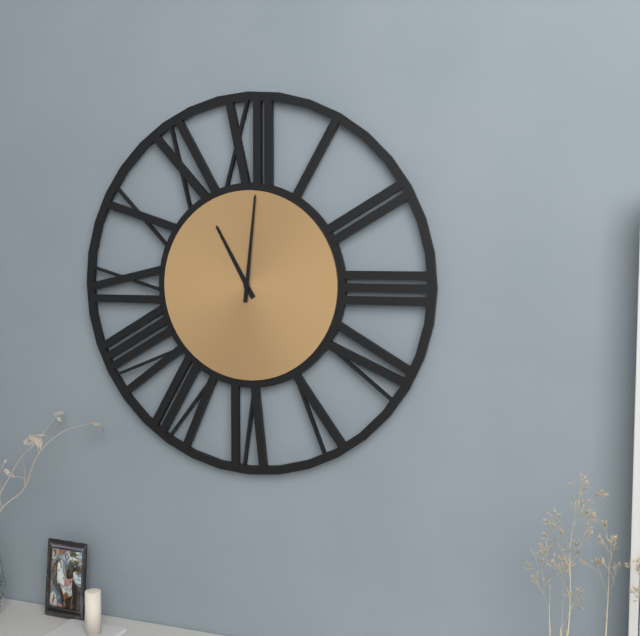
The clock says 11 h 01 min
